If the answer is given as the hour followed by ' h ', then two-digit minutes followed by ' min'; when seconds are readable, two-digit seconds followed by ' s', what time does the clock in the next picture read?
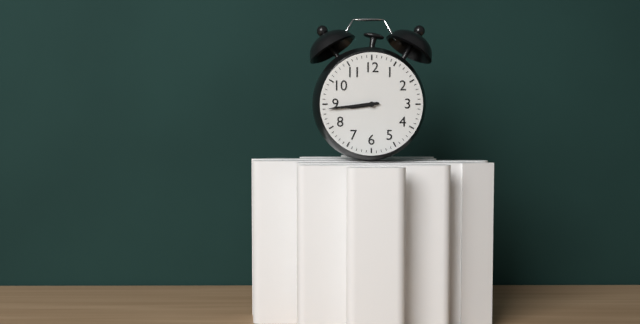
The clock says 8 h 44 min
